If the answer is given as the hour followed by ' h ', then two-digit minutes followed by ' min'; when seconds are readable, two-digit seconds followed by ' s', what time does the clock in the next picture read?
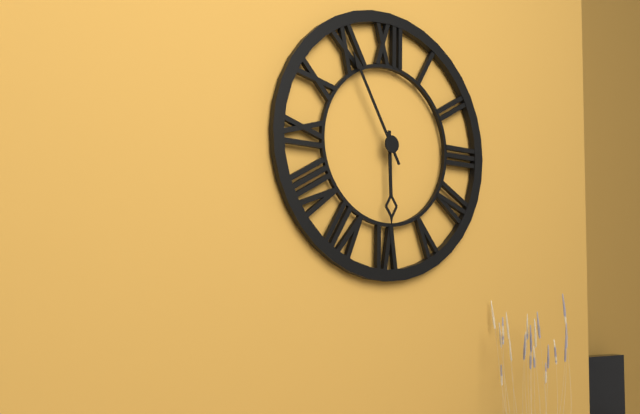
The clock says 5 h 55 min
